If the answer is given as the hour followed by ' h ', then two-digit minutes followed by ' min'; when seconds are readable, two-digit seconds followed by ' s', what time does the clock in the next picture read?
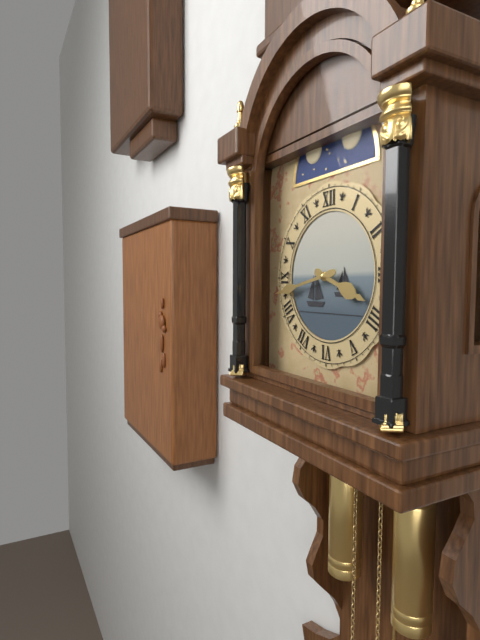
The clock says 3 h 43 min
